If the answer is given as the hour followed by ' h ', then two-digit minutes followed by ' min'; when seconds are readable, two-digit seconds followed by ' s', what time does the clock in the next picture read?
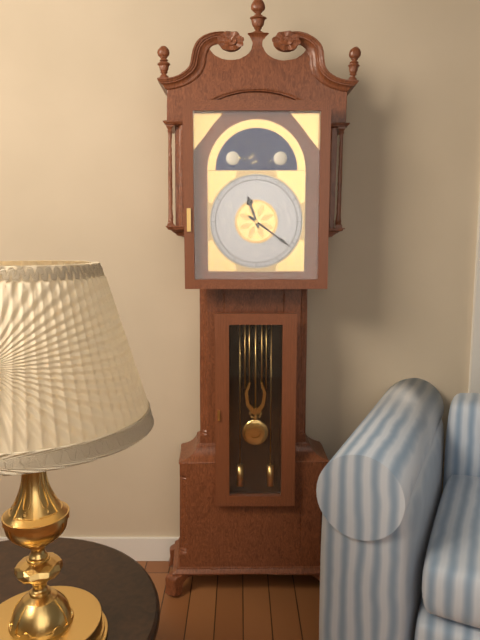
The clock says 11 h 21 min
